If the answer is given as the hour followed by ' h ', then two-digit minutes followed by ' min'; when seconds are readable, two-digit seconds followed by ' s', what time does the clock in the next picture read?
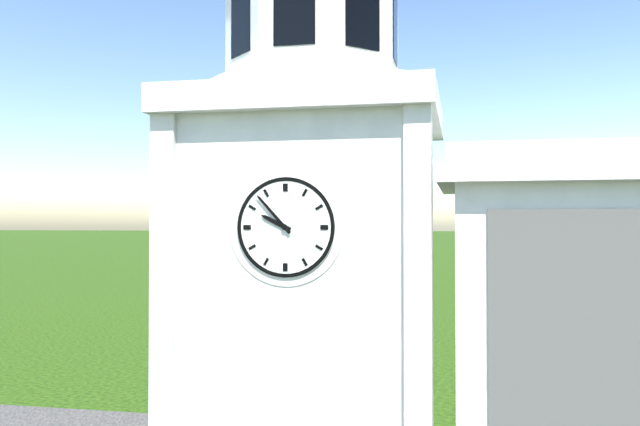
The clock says 9 h 53 min
